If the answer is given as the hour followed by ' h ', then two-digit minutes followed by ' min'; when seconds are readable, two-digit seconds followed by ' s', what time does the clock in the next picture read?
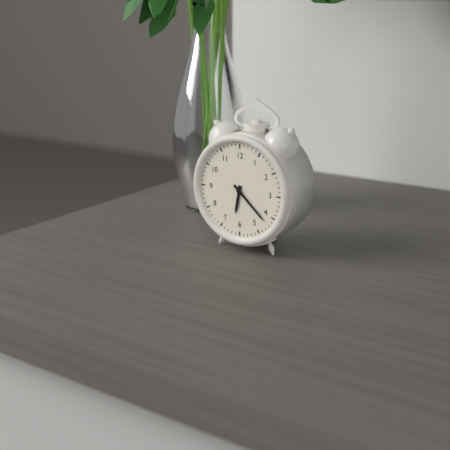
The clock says 6 h 22 min
